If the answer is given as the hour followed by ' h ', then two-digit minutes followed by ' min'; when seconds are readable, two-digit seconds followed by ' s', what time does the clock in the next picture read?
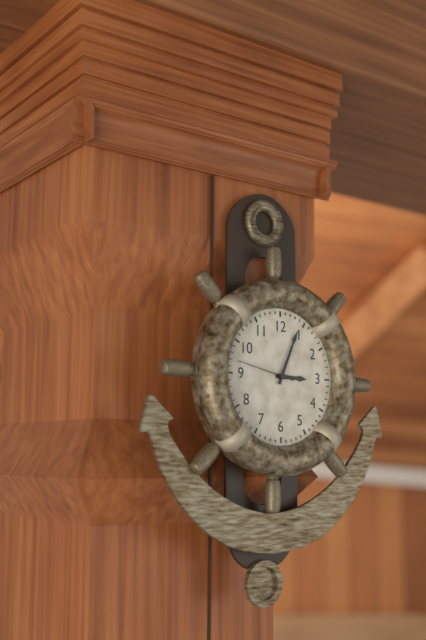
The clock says 3 h 04 min 47 s
